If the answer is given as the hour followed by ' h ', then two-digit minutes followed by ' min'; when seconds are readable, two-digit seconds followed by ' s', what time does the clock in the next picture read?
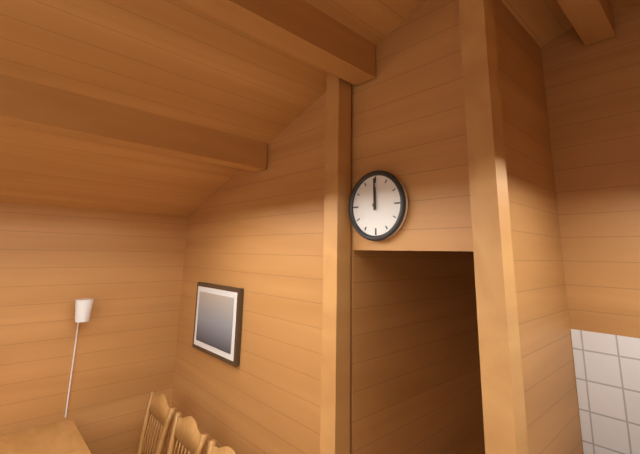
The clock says 12 h 00 min
